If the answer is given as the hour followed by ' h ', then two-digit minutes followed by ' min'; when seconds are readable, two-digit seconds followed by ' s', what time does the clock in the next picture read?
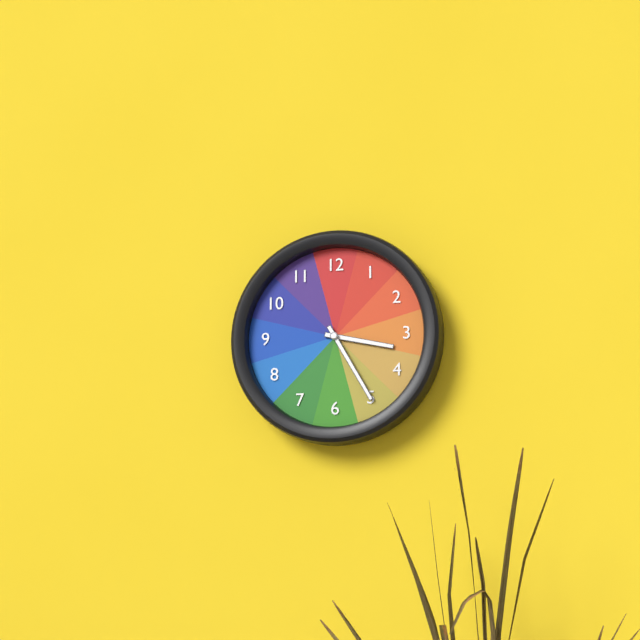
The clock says 3 h 25 min
